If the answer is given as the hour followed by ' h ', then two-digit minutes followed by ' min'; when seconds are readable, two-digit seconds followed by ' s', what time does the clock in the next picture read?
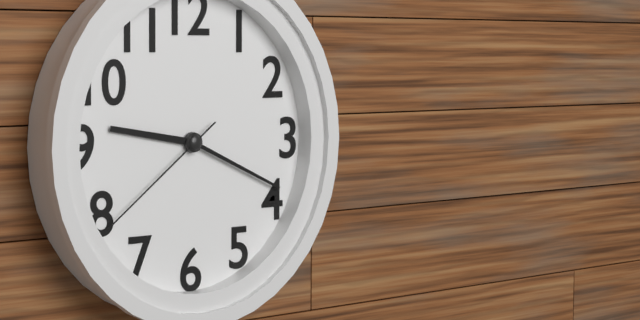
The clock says 9 h 19 min 39 s
